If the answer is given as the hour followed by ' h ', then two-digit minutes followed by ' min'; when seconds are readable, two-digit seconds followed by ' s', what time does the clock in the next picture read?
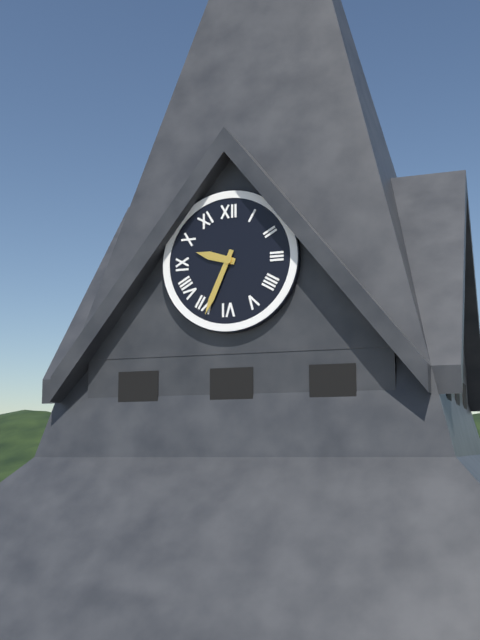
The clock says 9 h 34 min
